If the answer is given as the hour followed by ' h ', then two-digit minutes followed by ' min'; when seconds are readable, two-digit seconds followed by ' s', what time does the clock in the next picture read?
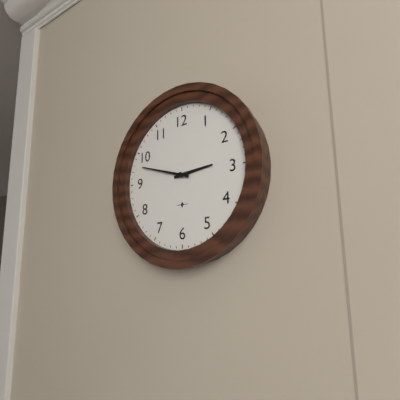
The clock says 2 h 48 min
